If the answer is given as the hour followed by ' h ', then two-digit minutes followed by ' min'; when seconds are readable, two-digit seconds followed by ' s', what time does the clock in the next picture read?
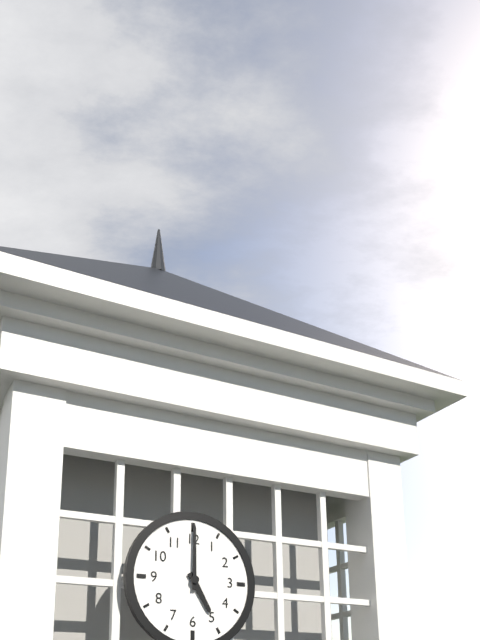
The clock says 5 h 00 min
